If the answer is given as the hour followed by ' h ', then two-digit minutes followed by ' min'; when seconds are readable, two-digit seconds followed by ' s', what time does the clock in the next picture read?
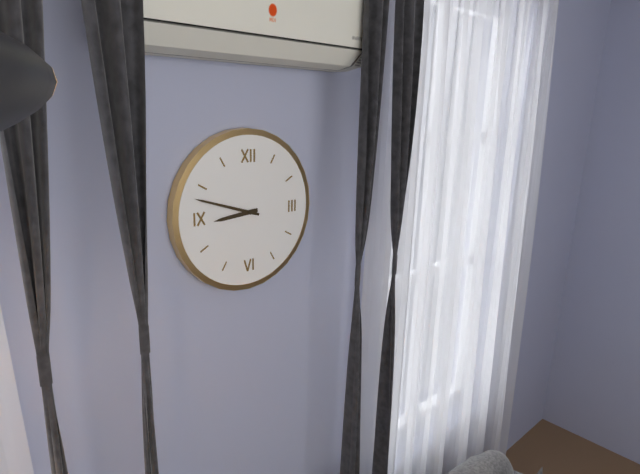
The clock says 8 h 48 min
